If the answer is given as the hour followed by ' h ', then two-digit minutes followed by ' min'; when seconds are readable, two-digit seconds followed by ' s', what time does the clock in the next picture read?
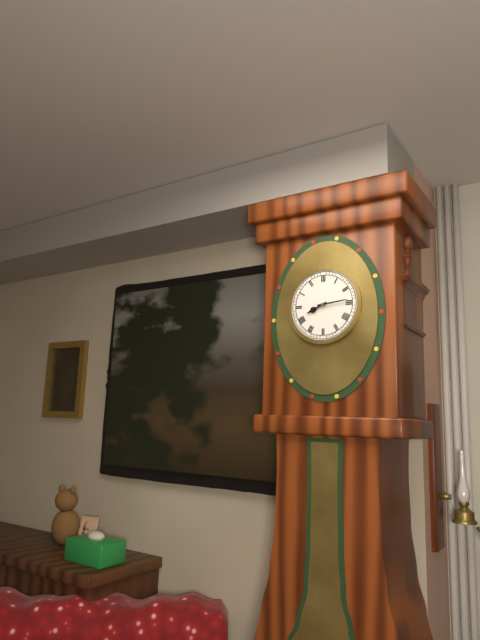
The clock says 8 h 14 min
